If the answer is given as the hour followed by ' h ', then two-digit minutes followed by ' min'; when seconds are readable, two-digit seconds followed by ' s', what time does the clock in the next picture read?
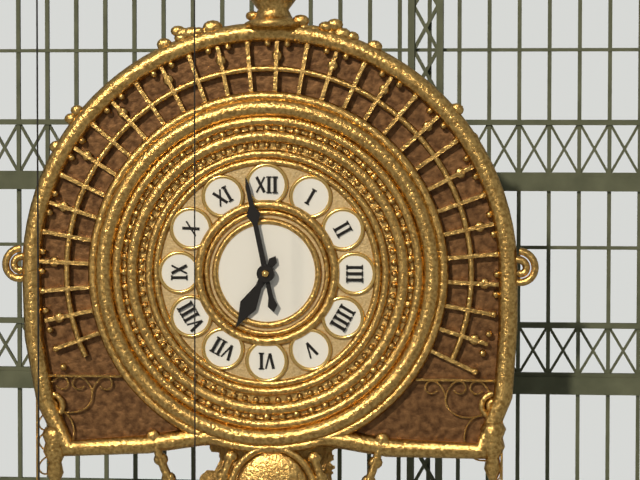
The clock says 6 h 58 min
